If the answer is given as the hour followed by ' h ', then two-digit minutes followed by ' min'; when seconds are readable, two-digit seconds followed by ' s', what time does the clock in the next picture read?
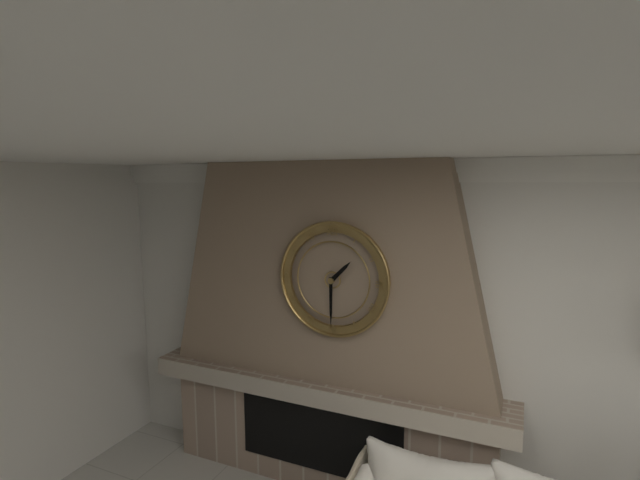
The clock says 1 h 30 min
